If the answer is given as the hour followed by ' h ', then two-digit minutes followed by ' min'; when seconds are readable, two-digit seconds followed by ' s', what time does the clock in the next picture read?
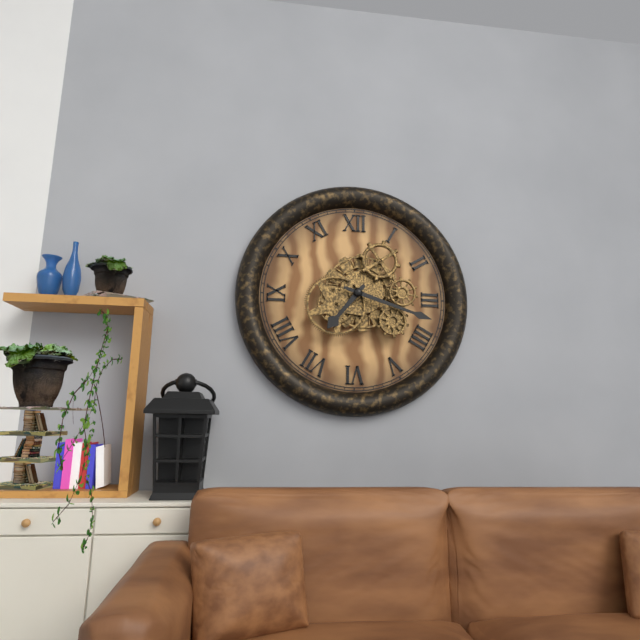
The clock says 7 h 18 min
